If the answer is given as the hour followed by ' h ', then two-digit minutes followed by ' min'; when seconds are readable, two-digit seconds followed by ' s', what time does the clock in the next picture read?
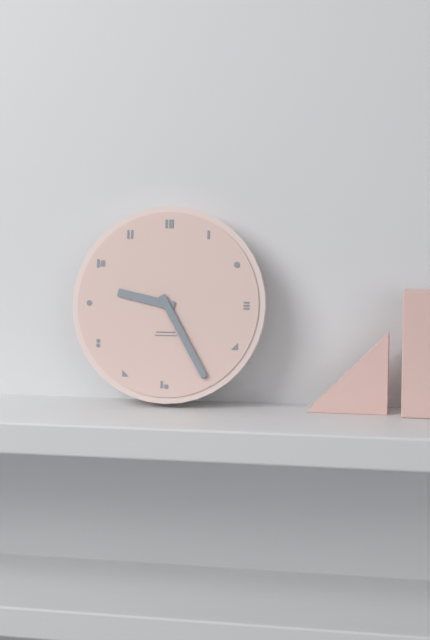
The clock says 9 h 25 min
